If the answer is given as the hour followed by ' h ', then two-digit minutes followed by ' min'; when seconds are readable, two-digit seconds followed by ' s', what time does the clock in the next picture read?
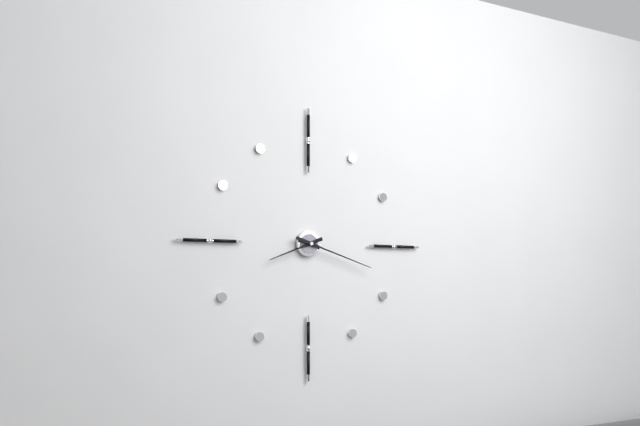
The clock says 8 h 18 min
